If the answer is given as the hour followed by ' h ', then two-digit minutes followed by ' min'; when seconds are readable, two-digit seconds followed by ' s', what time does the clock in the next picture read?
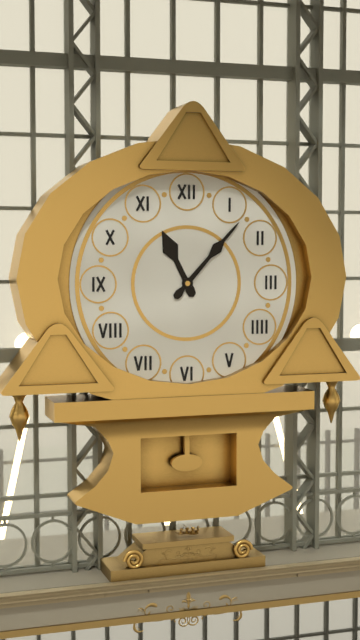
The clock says 11 h 07 min
